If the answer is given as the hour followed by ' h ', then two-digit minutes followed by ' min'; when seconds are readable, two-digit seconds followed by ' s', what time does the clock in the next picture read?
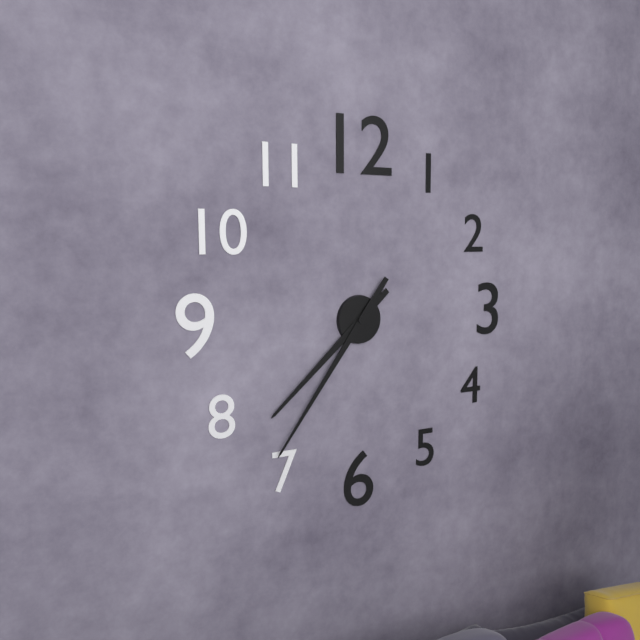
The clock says 7 h 36 min
